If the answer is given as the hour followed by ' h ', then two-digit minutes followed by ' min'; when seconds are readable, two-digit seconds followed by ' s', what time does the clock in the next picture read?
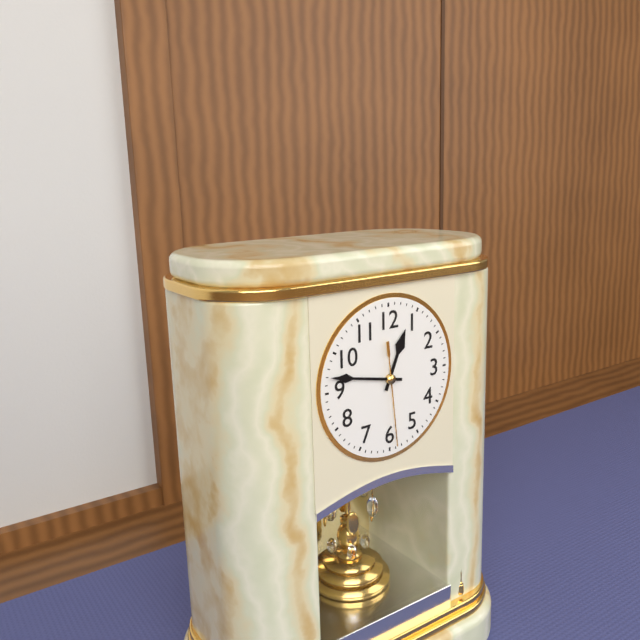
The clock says 12 h 47 min 29 s
